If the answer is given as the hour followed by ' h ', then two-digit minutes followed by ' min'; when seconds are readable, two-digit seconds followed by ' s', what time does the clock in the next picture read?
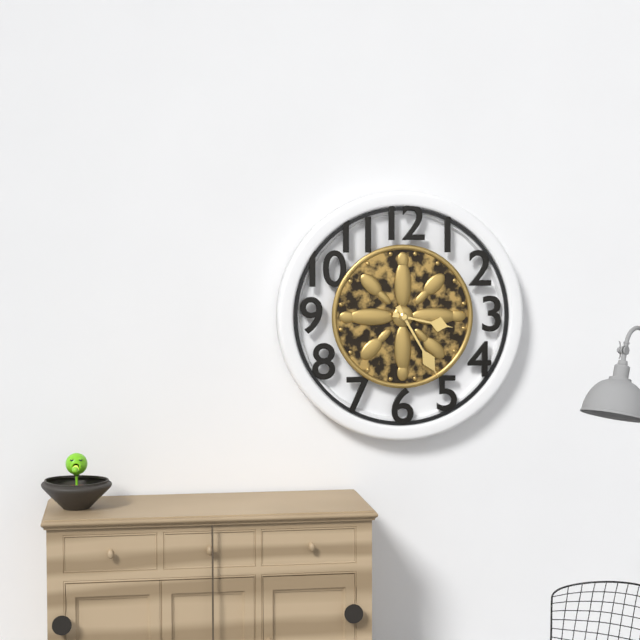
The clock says 3 h 25 min
